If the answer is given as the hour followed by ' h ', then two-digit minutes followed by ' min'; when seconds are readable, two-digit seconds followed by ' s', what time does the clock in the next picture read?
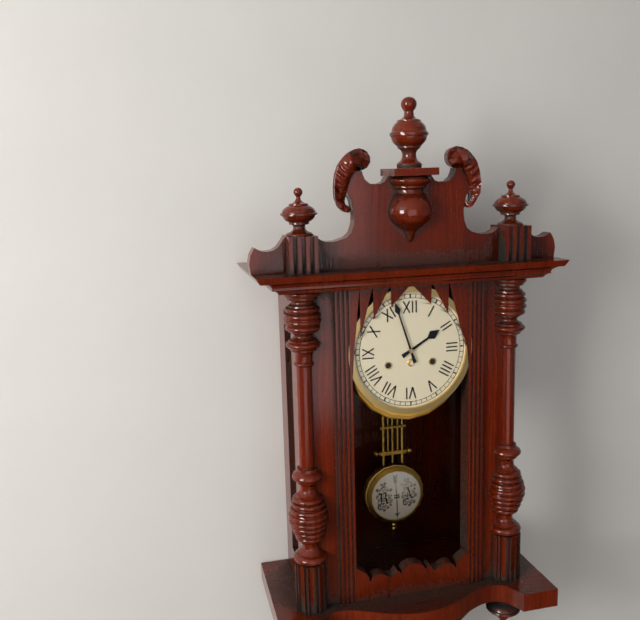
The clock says 1 h 57 min
